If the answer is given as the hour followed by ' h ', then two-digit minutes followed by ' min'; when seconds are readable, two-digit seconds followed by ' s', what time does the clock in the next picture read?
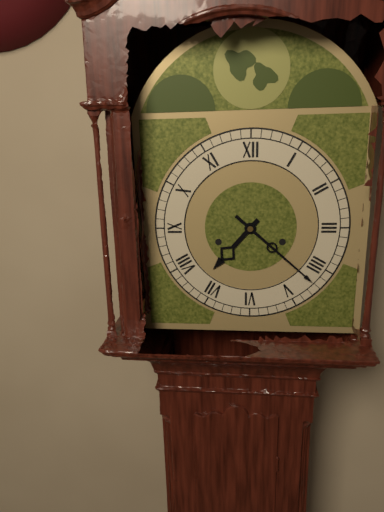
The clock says 7 h 22 min
